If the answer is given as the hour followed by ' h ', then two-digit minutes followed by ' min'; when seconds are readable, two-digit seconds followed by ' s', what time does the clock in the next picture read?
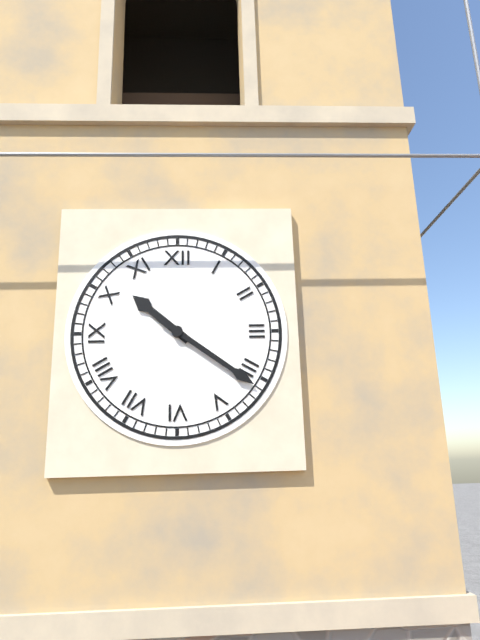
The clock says 10 h 21 min
